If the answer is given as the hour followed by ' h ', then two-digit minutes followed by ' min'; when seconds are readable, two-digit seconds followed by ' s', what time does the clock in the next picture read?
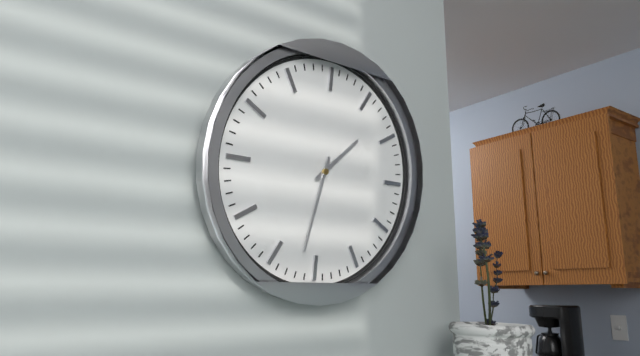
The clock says 1 h 32 min
